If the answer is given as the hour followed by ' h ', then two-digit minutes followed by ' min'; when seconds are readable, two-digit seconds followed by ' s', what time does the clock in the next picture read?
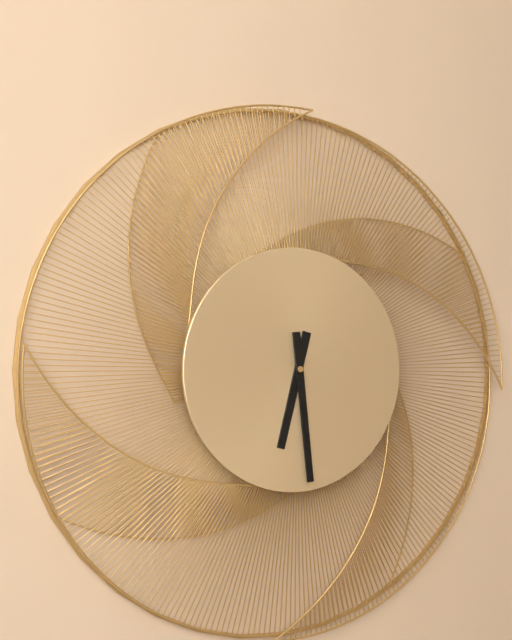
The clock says 6 h 29 min
